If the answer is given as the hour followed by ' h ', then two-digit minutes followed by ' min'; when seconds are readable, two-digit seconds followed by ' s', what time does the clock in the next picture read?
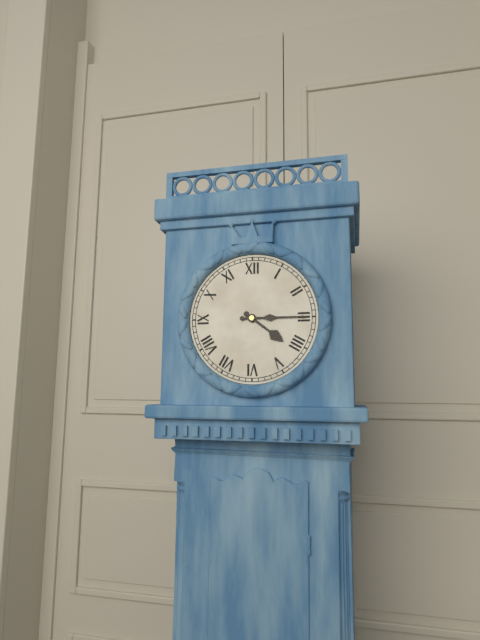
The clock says 4 h 15 min
